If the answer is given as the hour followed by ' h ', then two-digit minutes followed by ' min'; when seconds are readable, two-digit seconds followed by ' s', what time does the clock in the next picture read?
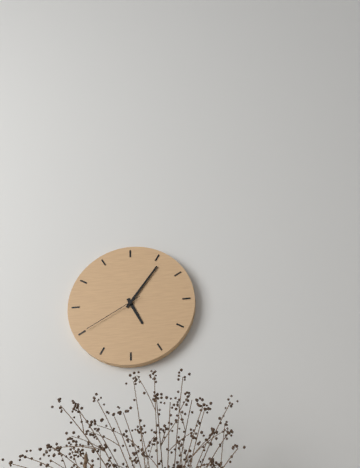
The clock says 5 h 06 min 40 s
